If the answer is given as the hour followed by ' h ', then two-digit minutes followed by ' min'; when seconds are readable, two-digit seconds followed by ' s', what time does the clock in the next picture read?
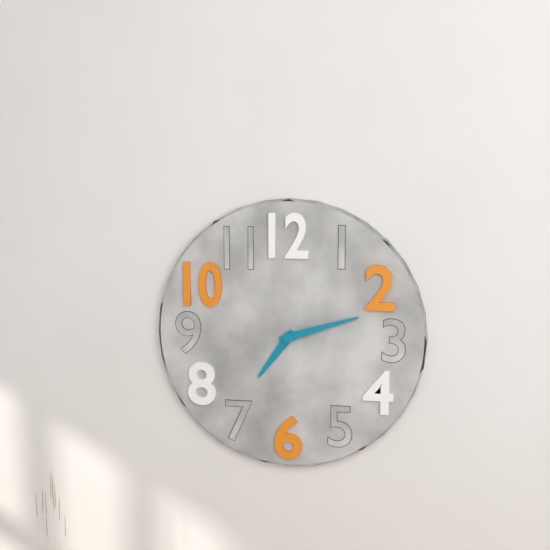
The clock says 7 h 12 min
